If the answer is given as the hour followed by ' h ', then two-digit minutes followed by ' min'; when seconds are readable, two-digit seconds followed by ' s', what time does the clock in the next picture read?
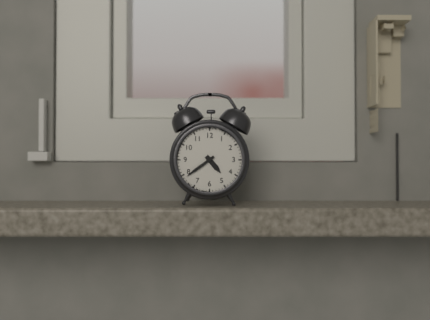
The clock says 4 h 39 min
